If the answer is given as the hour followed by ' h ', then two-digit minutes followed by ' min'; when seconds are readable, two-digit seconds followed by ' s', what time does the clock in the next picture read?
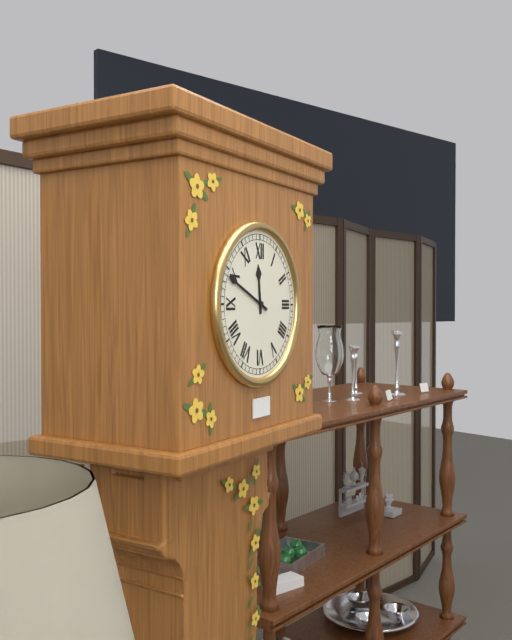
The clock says 11 h 49 min
